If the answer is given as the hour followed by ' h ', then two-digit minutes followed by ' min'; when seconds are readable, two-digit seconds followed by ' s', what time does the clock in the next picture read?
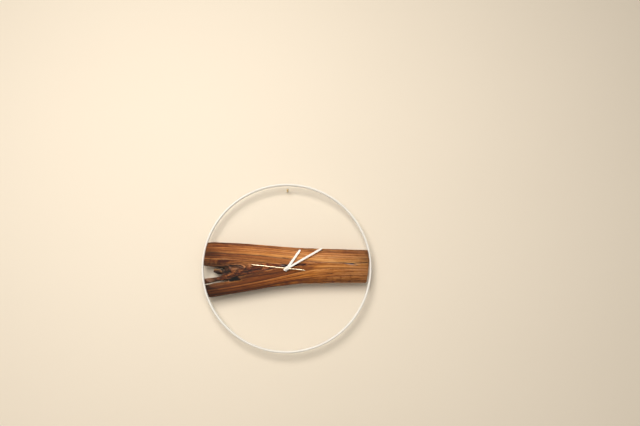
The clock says 1 h 10 min
